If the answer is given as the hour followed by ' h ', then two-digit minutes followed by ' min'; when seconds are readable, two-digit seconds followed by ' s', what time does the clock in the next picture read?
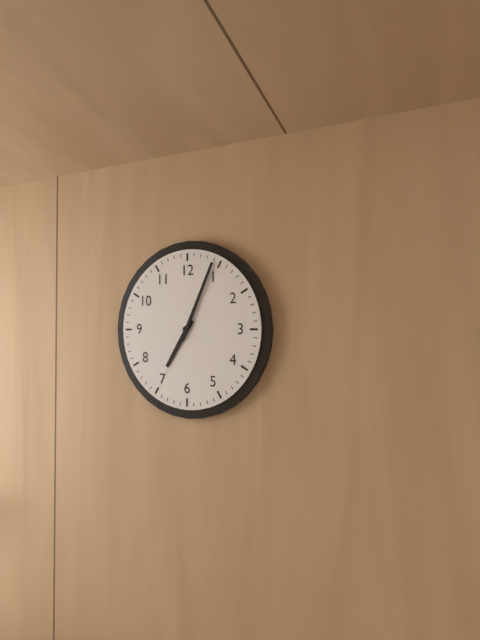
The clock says 7 h 04 min
